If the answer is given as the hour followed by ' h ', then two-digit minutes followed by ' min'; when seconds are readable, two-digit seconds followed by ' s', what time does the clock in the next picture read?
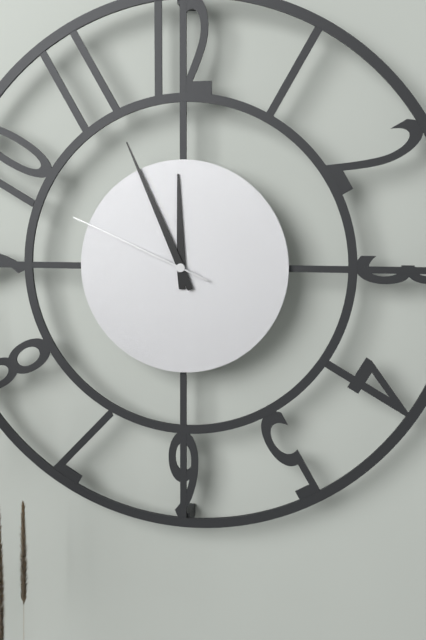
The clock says 11 h 56 min 49 s
